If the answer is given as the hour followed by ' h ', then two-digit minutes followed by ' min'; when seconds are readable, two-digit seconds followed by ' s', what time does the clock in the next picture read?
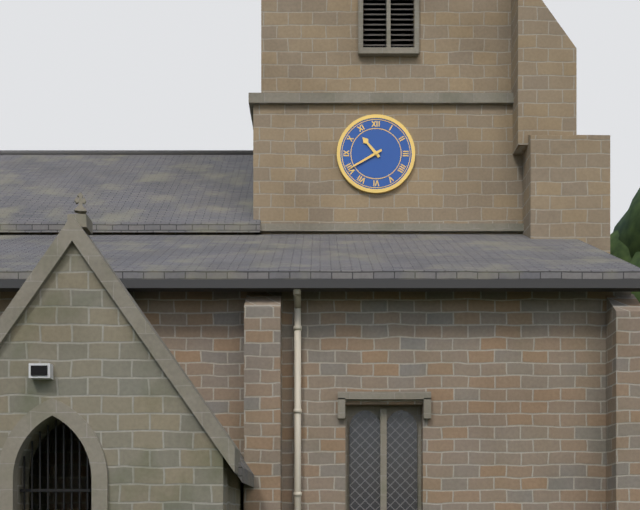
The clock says 10 h 40 min
